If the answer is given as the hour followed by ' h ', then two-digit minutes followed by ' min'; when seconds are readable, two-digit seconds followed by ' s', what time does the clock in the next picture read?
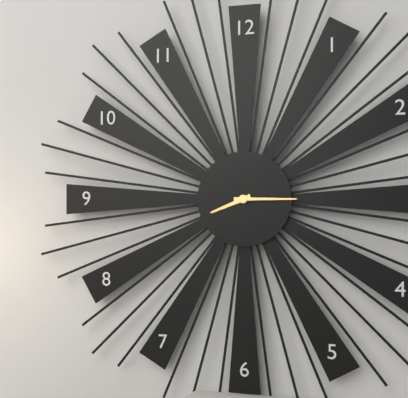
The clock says 8 h 15 min
